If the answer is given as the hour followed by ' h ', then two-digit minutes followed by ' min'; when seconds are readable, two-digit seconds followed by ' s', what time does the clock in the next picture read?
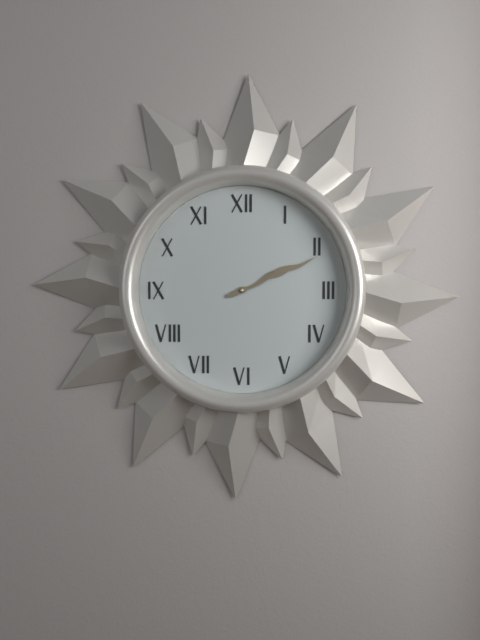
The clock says 2 h 11 min
